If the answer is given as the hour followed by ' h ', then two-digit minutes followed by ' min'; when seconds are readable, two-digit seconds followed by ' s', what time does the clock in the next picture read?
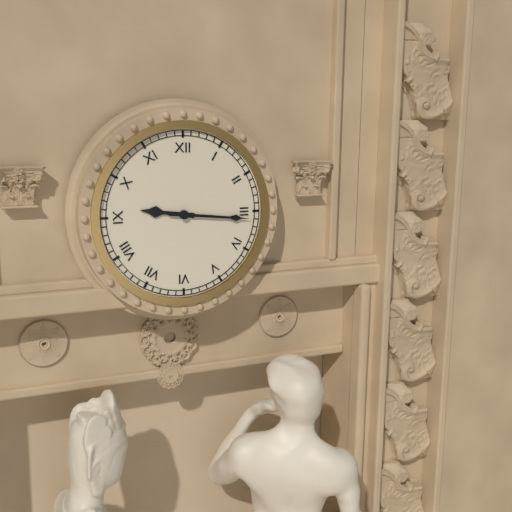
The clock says 9 h 16 min
